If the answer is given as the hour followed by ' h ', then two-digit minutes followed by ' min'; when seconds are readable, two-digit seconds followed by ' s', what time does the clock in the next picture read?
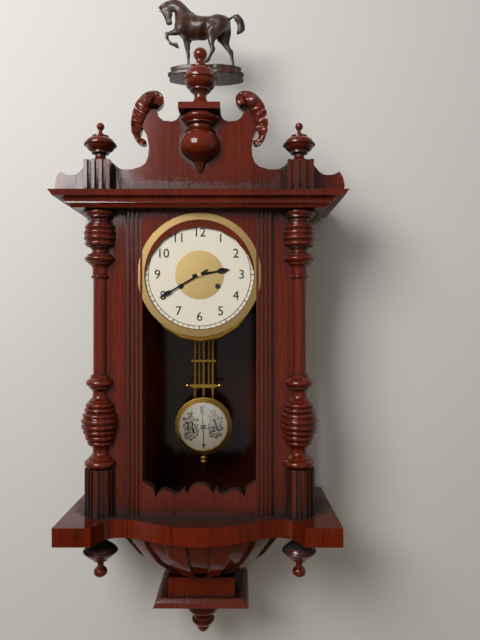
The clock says 2 h 40 min
